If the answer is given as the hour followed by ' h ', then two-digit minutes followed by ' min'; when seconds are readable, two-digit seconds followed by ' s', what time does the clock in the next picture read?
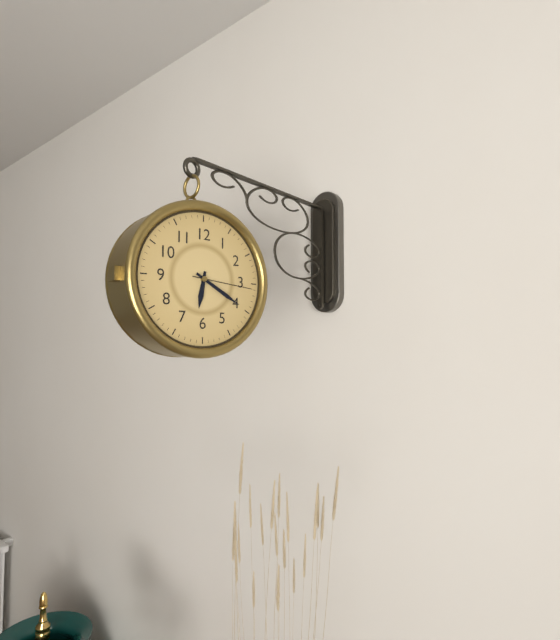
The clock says 6 h 20 min 16 s
